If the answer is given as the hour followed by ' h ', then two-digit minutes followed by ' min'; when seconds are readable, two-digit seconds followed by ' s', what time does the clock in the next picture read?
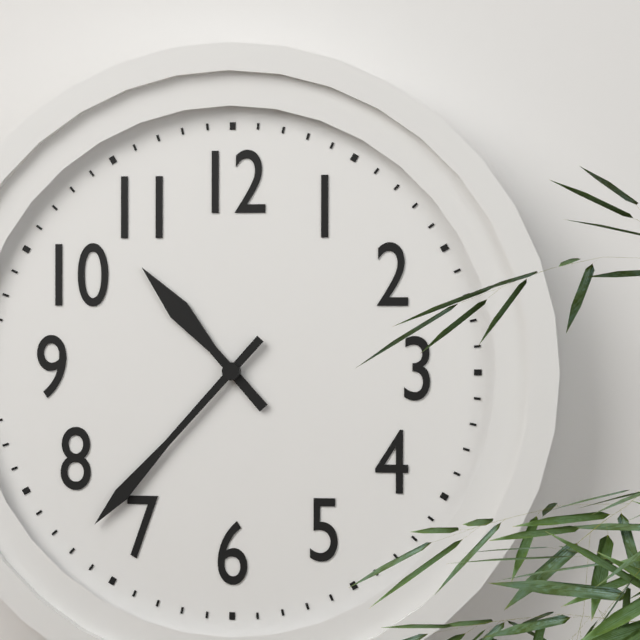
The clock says 10 h 37 min
